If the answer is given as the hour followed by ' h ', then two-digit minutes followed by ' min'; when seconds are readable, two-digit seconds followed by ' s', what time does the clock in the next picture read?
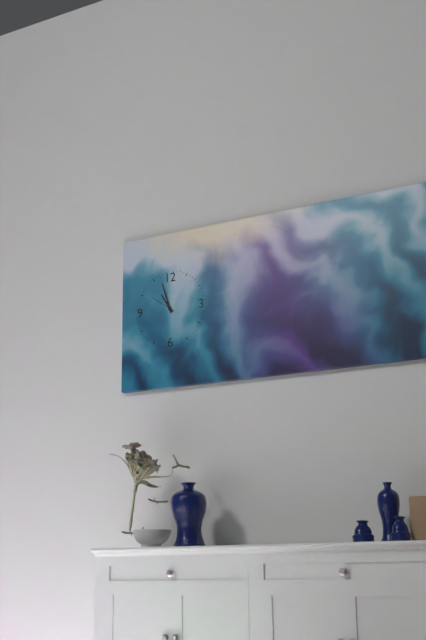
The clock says 10 h 57 min
